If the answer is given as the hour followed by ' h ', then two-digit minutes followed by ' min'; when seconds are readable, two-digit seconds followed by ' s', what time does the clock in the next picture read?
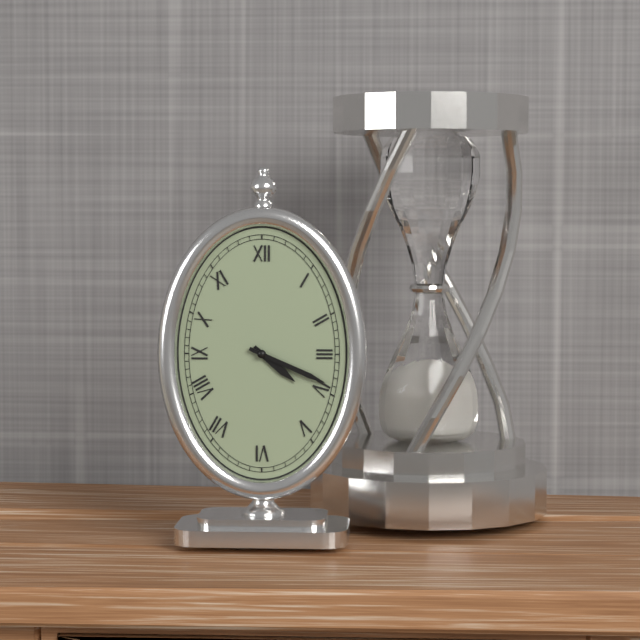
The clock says 4 h 19 min
